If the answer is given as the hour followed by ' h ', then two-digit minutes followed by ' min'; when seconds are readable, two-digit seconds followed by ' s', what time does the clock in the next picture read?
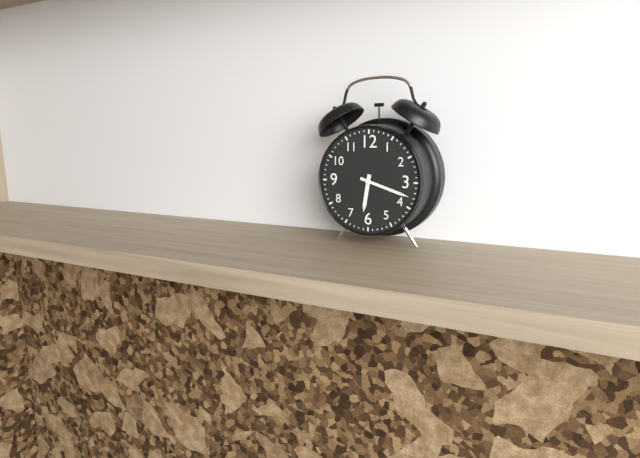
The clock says 6 h 18 min
